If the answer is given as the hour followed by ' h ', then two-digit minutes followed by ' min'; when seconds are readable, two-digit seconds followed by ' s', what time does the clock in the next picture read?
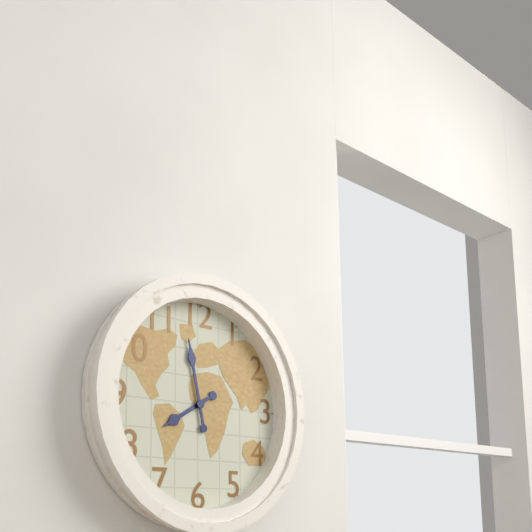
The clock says 7 h 58 min
